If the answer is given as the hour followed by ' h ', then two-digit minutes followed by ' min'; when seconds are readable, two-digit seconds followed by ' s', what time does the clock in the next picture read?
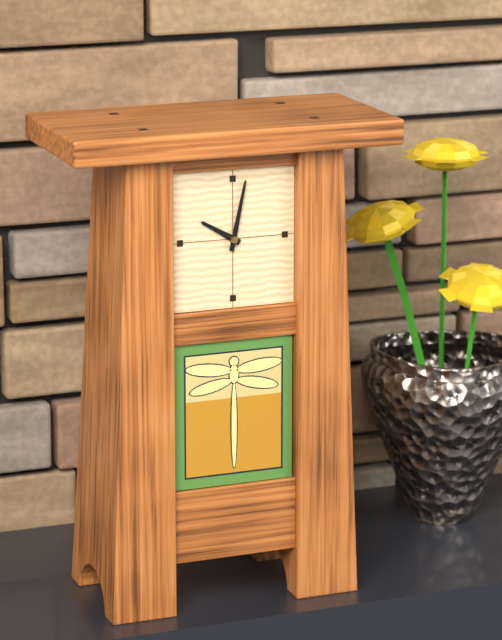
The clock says 10 h 02 min
